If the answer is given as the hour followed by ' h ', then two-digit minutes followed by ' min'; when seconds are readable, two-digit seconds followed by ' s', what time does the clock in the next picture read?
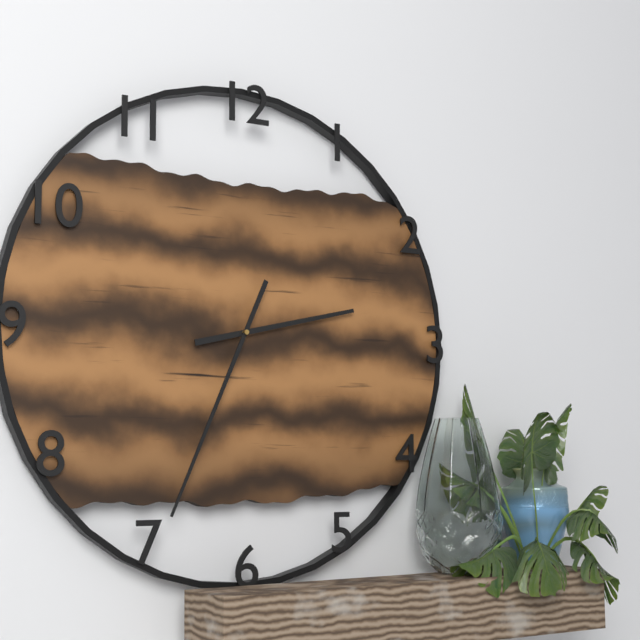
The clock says 2 h 34 min
